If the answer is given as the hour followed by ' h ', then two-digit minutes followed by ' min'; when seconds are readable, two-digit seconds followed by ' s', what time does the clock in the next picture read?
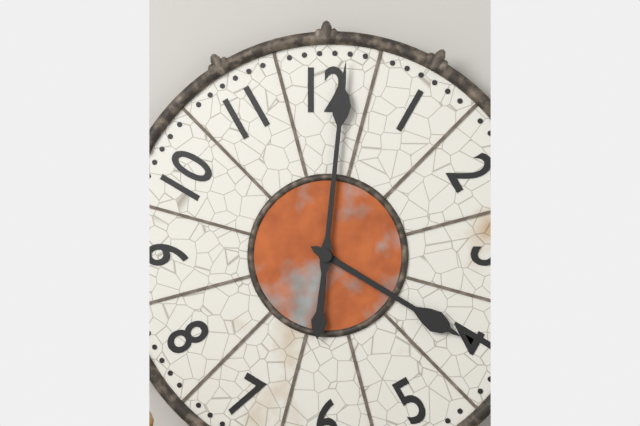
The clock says 4 h 01 min
